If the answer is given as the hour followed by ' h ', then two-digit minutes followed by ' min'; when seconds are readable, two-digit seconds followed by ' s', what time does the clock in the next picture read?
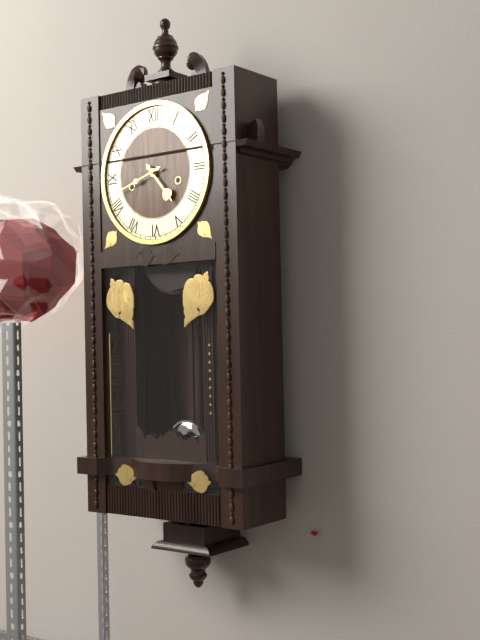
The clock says 4 h 42 min
